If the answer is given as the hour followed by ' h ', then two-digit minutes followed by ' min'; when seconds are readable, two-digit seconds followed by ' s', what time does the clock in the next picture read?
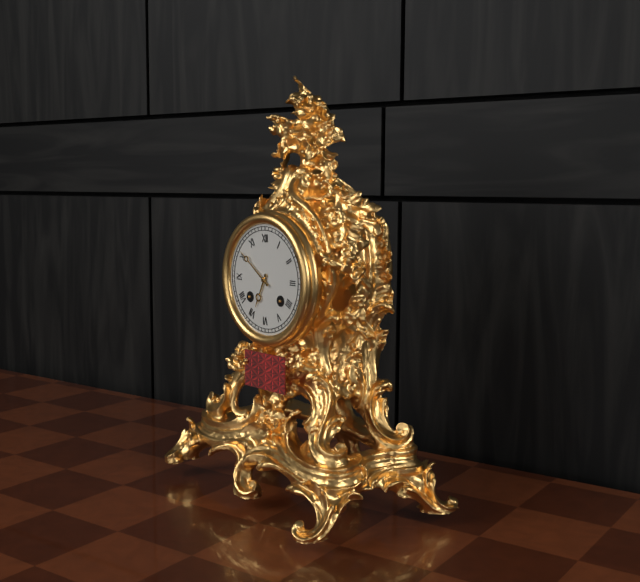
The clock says 6 h 51 min
